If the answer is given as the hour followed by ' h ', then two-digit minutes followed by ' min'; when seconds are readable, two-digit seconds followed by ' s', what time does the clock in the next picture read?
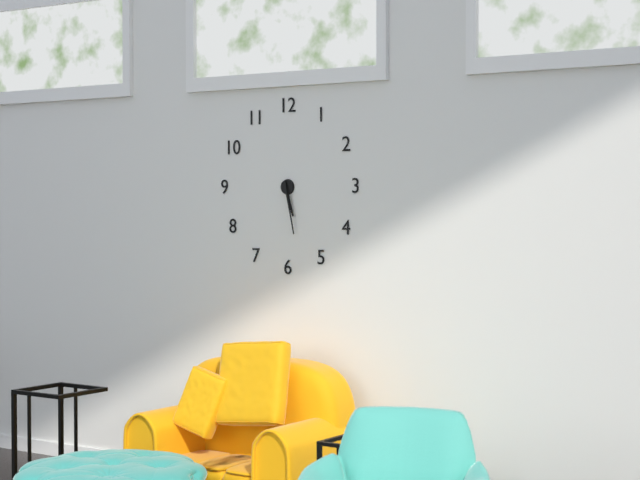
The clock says 5 h 28 min
